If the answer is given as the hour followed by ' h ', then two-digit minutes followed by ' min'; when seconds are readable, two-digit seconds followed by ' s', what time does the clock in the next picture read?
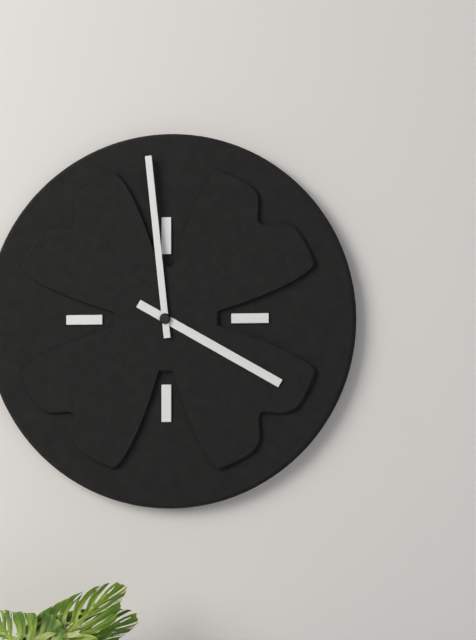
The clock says 3 h 59 min
